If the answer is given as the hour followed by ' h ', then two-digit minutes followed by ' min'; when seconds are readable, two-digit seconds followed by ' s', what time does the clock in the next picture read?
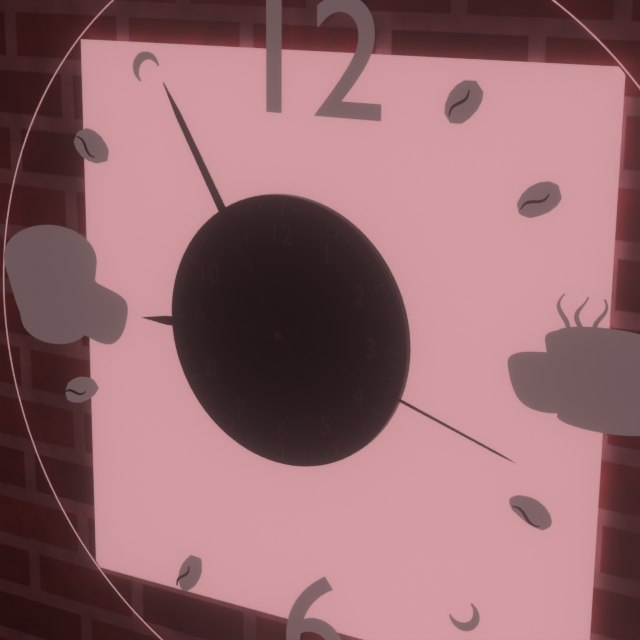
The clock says 8 h 55 min 18 s
